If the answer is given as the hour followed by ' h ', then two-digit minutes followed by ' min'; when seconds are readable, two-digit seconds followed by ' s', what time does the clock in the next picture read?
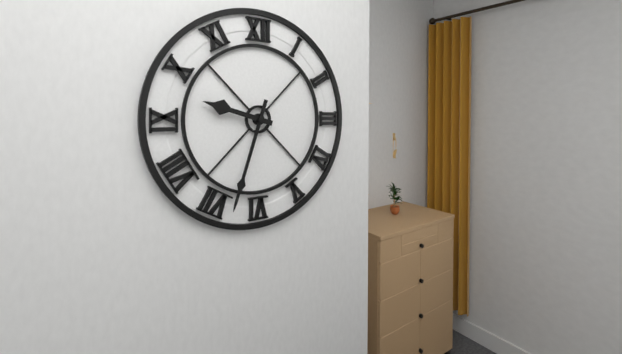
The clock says 9 h 33 min
